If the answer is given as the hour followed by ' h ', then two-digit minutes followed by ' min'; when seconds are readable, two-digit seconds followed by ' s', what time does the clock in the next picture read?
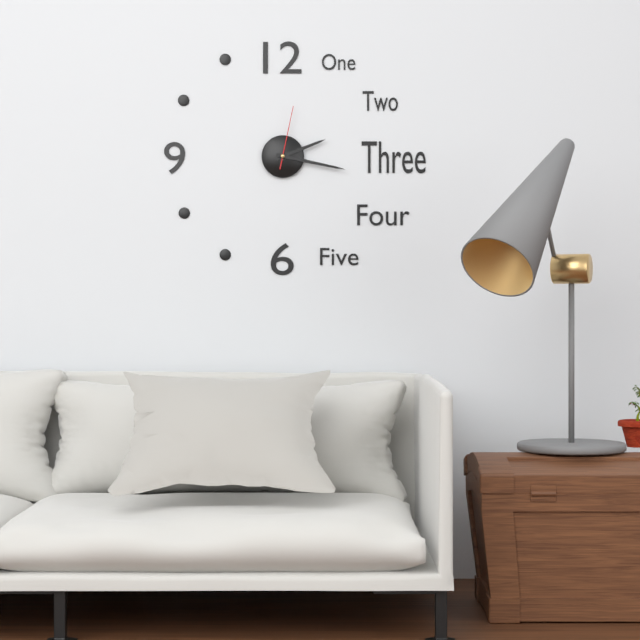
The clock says 2 h 17 min 02 s
